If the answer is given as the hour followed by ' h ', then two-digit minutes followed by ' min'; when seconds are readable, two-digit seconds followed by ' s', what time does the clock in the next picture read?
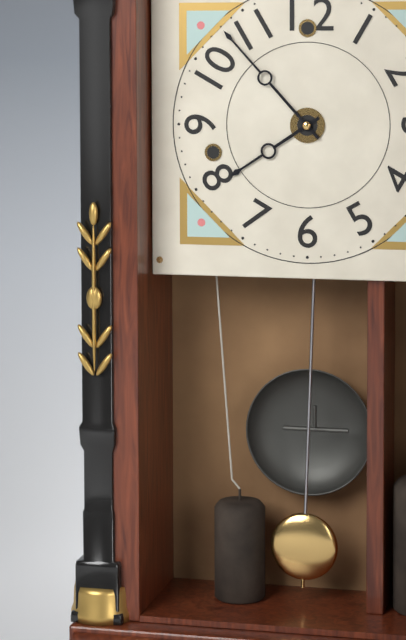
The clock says 7 h 53 min
